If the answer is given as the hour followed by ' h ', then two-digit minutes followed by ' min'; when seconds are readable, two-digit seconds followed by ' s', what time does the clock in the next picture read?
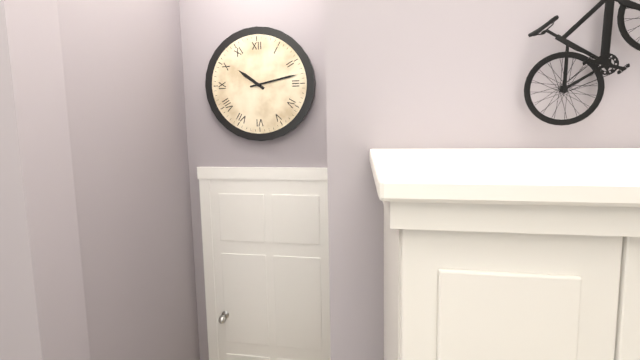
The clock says 10 h 13 min
